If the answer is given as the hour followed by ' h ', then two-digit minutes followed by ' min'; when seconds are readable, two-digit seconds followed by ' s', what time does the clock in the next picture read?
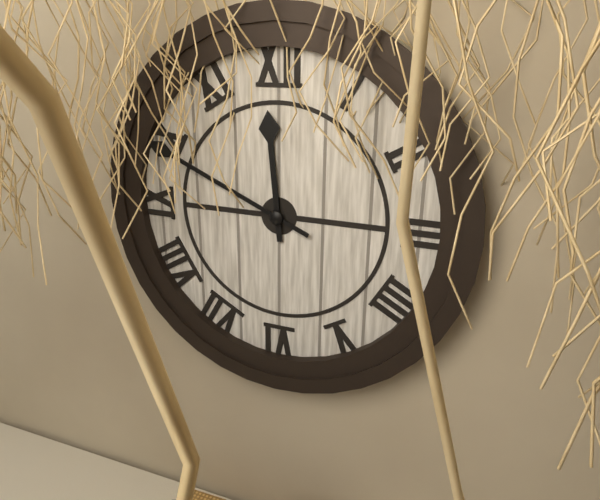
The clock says 11 h 49 min
